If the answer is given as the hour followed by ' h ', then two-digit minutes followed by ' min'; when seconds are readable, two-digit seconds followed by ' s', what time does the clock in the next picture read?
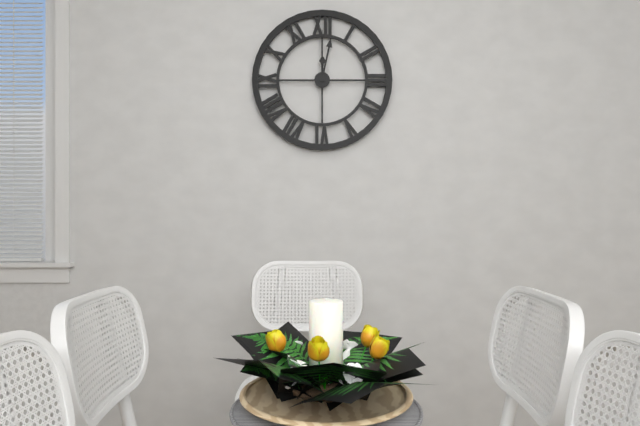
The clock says 12 h 02 min 00 s
